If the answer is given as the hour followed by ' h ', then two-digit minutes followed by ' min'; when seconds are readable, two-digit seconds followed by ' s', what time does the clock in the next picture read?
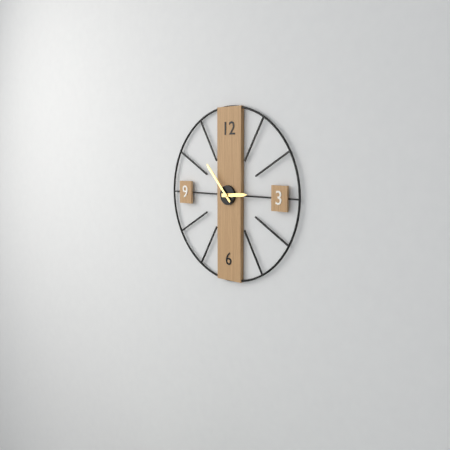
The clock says 2 h 53 min
